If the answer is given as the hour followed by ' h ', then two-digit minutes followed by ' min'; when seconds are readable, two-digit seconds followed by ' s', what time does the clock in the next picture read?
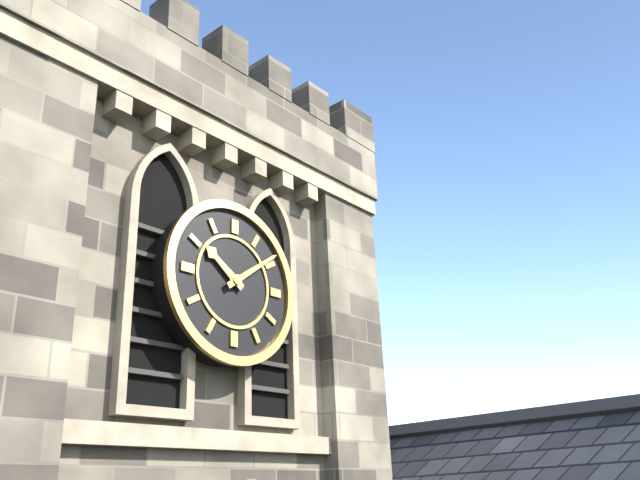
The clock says 10 h 09 min
